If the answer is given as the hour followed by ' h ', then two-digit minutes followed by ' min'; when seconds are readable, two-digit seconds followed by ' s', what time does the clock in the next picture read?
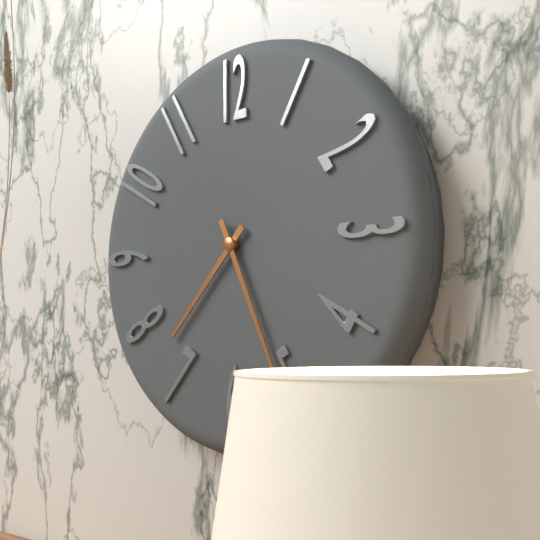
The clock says 7 h 26 min
